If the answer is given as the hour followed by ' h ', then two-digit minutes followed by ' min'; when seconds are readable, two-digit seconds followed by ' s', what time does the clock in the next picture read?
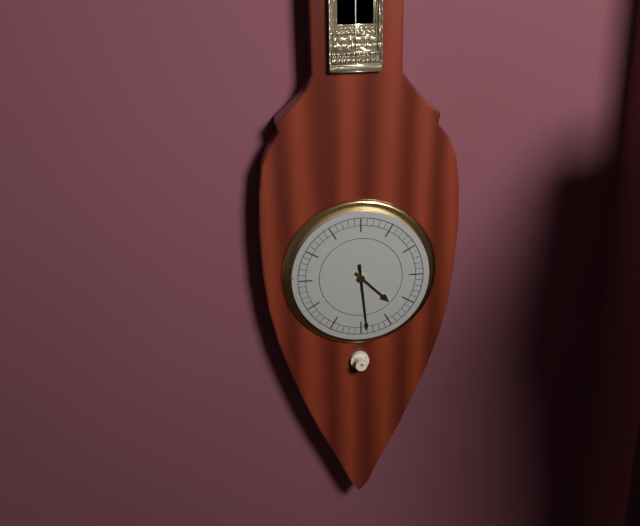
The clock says 4 h 29 min
